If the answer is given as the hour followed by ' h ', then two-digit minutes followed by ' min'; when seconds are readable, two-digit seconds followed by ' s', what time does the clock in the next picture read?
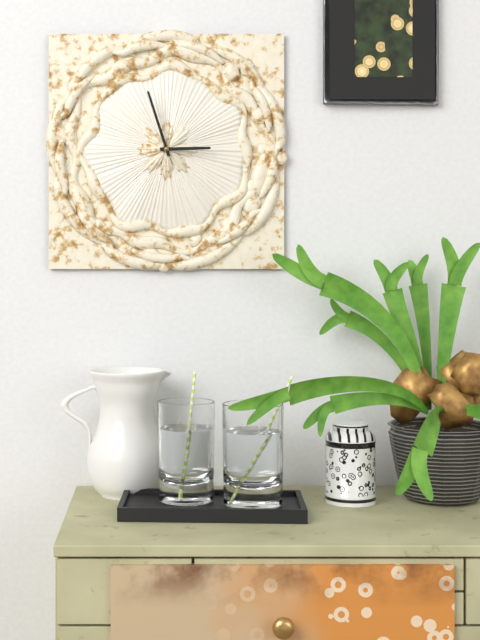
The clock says 2 h 57 min
